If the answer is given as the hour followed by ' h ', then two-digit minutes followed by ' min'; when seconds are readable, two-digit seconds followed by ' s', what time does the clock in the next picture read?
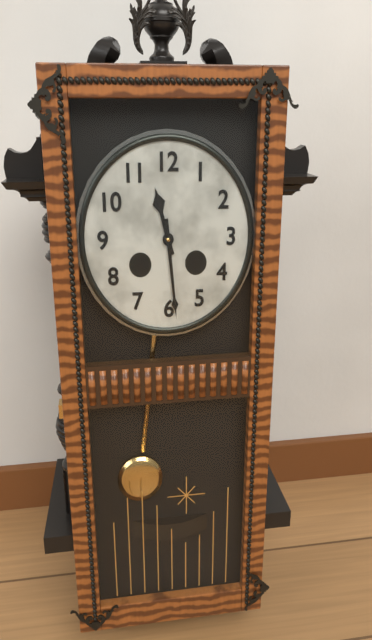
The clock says 11 h 29 min
